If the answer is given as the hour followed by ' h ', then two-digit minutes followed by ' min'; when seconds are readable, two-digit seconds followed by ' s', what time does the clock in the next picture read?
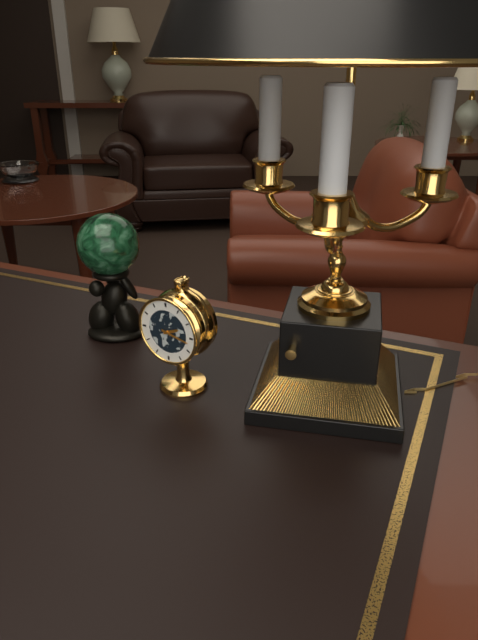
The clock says 2 h 17 min
